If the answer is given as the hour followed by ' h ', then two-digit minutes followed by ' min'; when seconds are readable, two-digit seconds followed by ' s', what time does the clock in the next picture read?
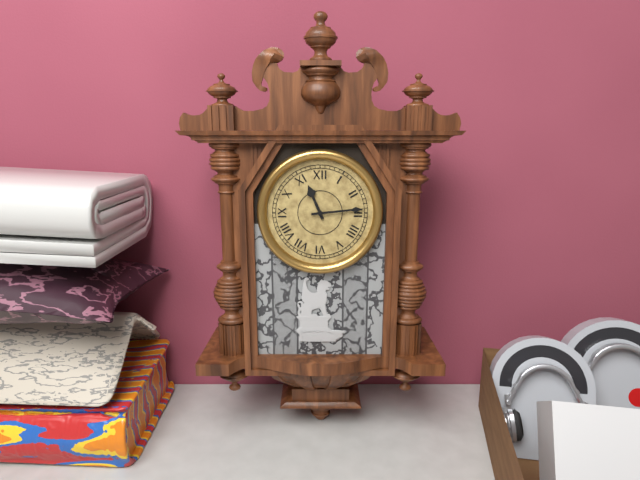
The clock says 11 h 14 min
